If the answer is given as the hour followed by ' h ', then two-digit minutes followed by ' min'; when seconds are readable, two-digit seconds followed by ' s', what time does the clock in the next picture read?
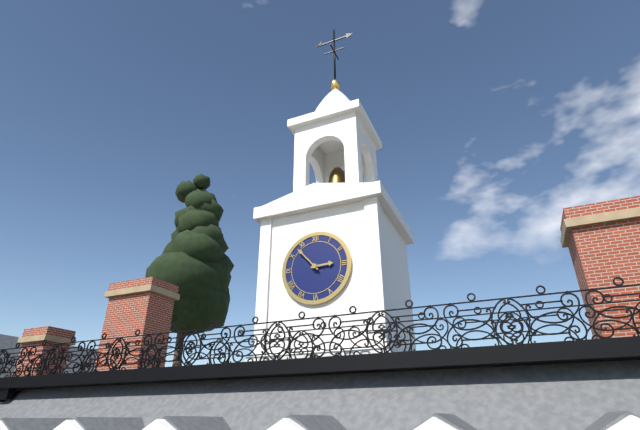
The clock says 2 h 53 min
